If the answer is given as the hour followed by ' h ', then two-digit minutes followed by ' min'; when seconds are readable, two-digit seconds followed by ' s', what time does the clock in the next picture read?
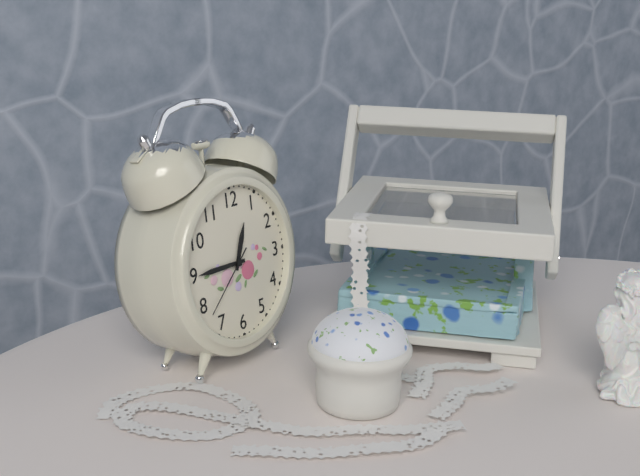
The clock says 12 h 45 min 38 s
